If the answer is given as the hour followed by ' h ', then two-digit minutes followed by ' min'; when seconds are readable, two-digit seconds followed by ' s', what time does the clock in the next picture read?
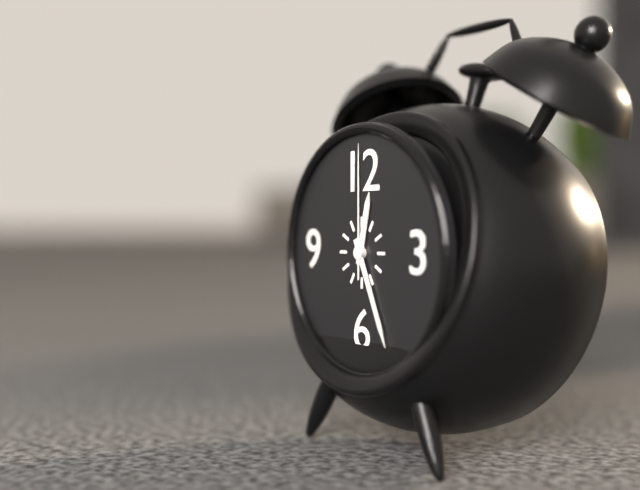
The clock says 12 h 26 min 00 s
